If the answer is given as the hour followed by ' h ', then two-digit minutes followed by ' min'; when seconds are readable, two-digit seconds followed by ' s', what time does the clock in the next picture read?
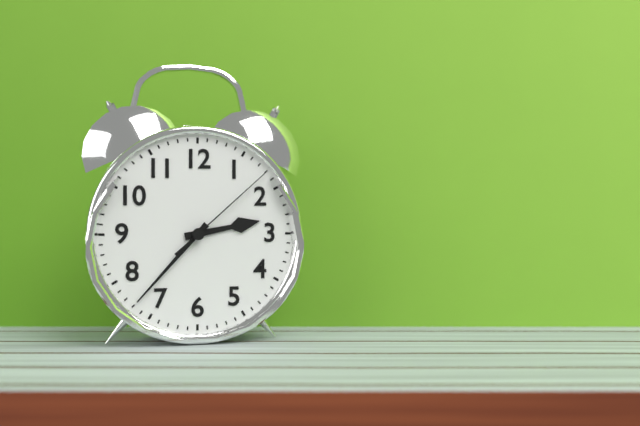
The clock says 2 h 37 min 08 s
